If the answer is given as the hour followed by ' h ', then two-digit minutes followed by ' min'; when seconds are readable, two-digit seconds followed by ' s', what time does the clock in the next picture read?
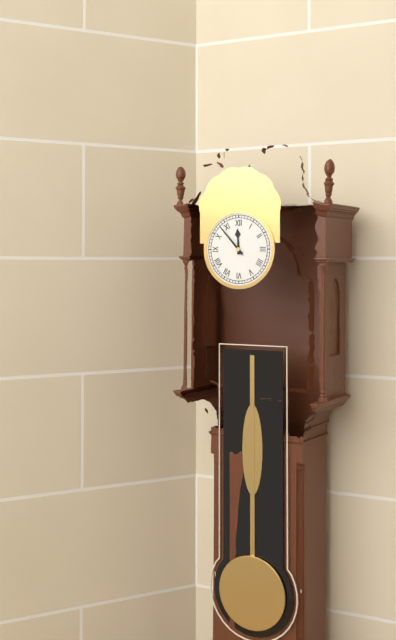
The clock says 11 h 53 min
